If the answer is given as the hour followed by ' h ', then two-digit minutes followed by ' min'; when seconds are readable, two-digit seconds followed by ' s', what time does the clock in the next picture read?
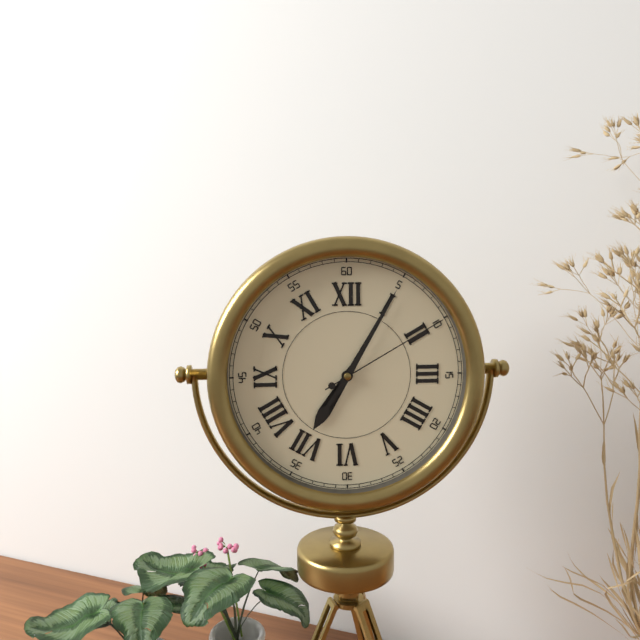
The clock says 7 h 05 min 10 s
